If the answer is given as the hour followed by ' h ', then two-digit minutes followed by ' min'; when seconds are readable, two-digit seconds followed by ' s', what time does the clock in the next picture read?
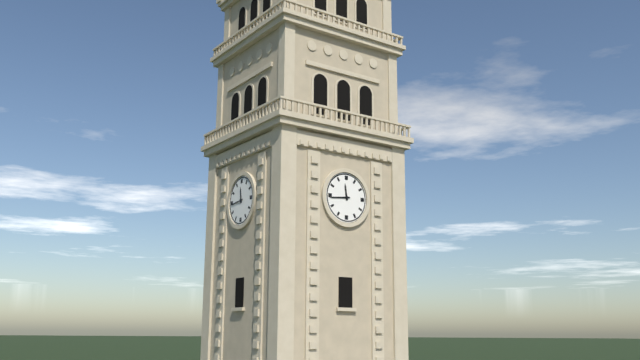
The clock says 11 h 44 min
